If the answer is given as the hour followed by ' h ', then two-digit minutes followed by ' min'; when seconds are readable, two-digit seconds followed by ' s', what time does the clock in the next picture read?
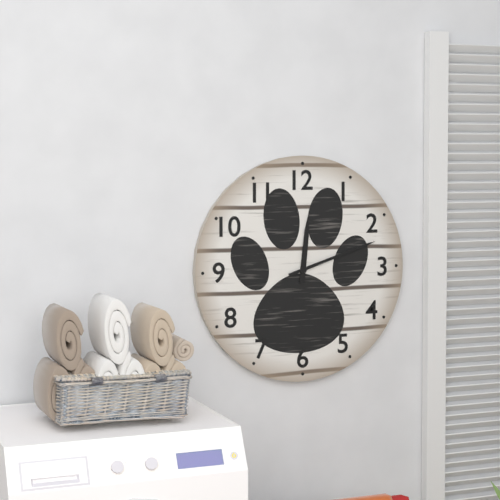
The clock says 12 h 12 min
